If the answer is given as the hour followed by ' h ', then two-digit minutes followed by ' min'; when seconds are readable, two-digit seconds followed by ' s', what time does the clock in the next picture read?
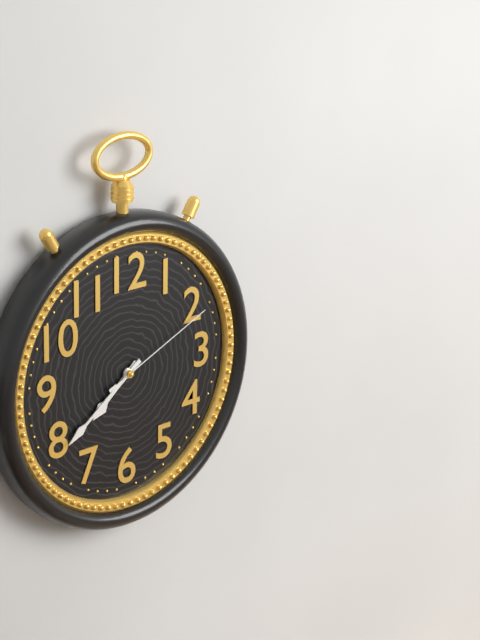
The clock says 7 h 39 min 11 s
